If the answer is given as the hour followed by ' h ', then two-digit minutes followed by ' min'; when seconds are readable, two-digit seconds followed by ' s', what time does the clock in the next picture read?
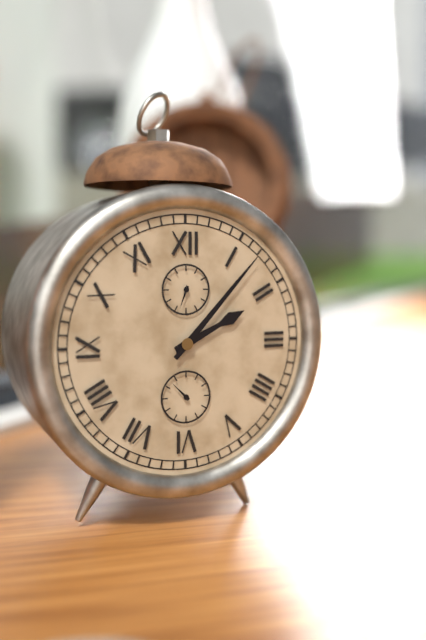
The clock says 2 h 07 min
